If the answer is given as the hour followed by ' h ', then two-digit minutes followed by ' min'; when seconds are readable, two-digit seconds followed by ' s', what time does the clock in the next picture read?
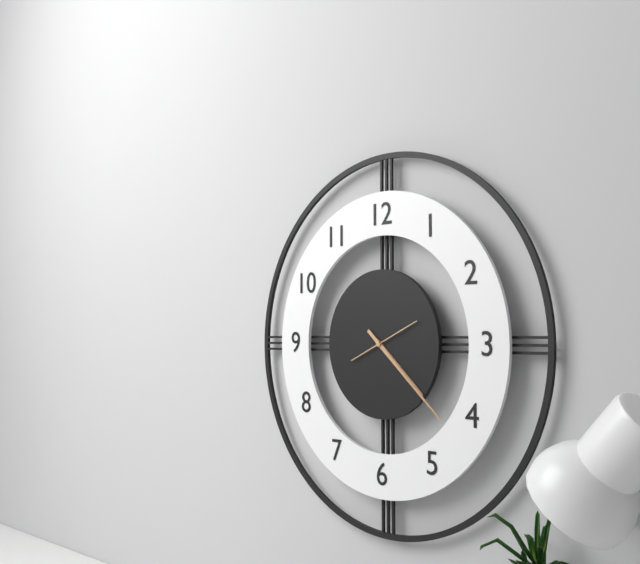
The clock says 4 h 22 min 11 s
